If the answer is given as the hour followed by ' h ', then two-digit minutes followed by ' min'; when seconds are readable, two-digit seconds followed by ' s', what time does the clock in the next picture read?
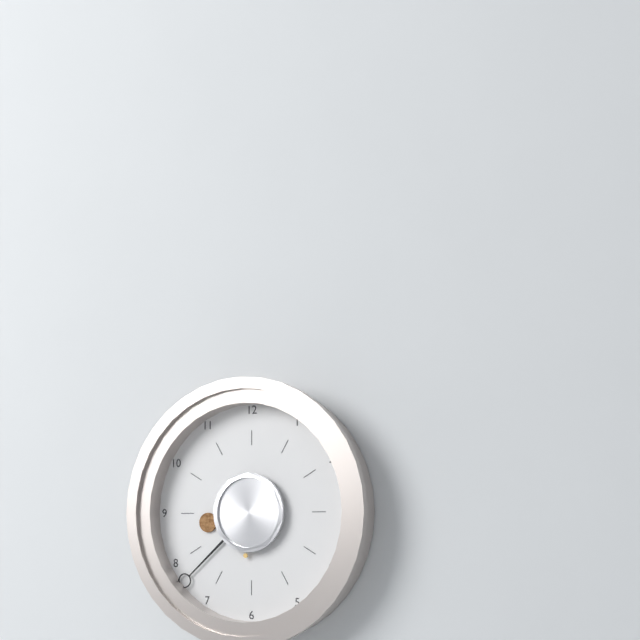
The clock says 8 h 38 min
